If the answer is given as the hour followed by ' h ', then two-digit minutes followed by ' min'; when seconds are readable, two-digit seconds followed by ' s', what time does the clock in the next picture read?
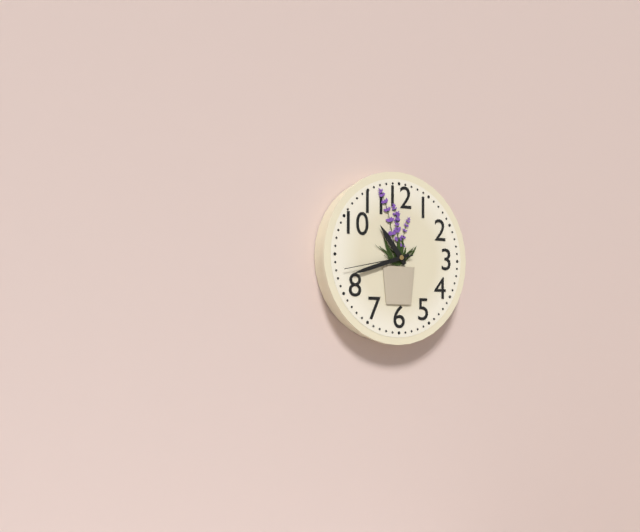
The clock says 10 h 42 min 43 s
